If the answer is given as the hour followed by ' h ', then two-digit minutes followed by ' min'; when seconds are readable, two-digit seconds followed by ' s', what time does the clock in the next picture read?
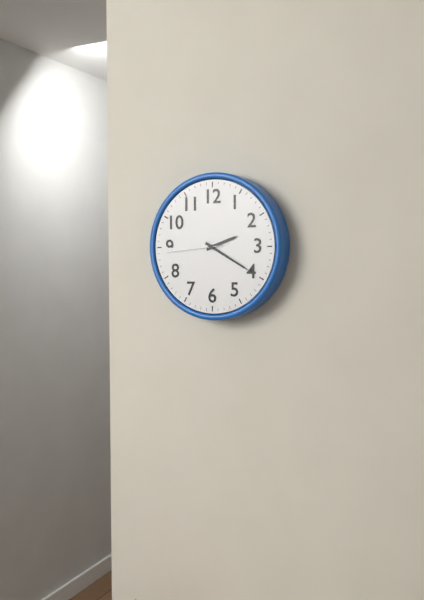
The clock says 2 h 20 min 44 s
